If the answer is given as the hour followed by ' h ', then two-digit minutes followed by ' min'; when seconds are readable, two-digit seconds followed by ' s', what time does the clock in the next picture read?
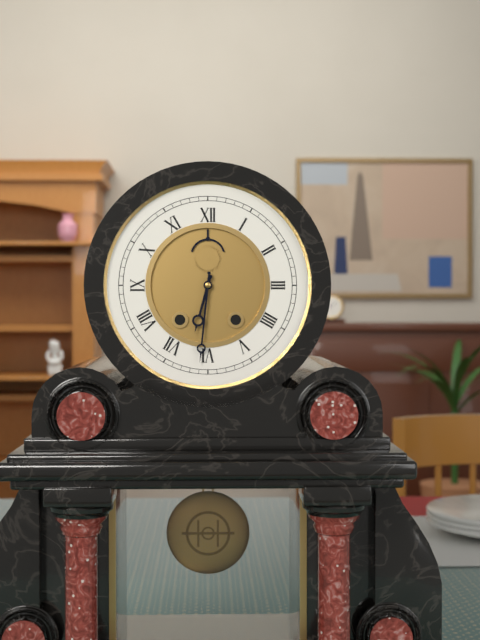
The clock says 6 h 31 min
